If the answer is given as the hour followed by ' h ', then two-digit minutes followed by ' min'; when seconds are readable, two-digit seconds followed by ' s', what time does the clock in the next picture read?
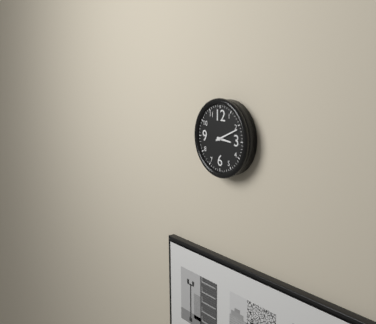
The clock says 3 h 11 min
